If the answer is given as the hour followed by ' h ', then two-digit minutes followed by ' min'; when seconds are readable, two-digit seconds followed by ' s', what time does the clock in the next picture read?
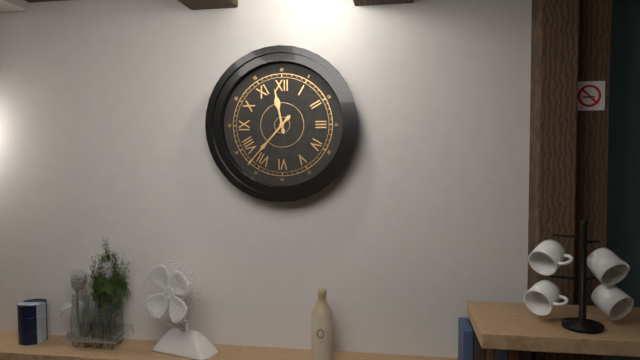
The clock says 11 h 37 min
